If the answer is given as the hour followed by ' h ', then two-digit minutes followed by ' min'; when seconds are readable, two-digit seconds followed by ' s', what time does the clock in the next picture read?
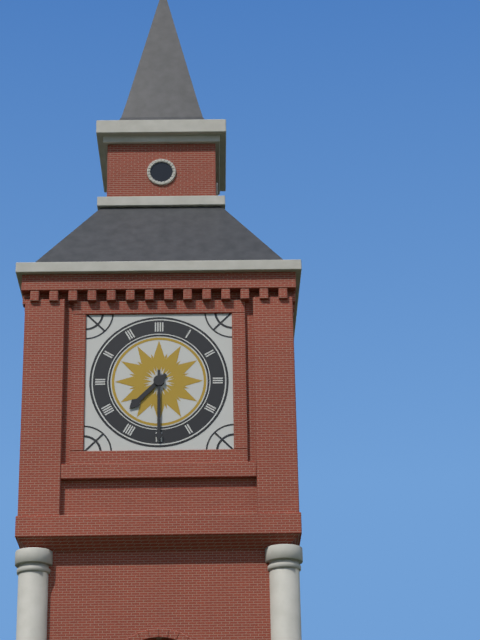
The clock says 7 h 30 min
